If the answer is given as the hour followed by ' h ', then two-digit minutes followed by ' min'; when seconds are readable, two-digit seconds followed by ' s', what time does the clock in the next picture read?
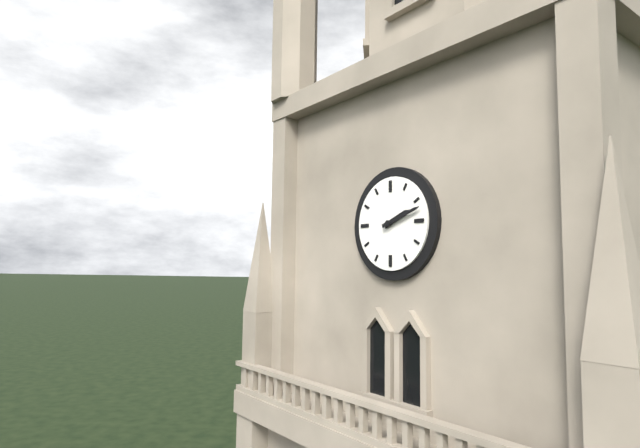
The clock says 2 h 12 min
